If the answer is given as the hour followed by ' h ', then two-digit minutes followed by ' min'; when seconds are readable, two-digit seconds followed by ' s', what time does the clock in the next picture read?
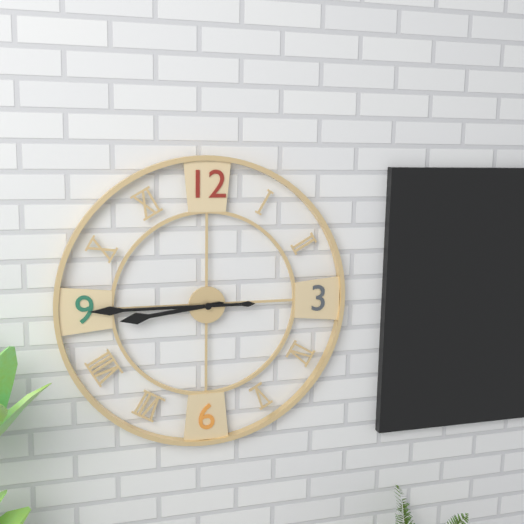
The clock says 8 h 45 min
